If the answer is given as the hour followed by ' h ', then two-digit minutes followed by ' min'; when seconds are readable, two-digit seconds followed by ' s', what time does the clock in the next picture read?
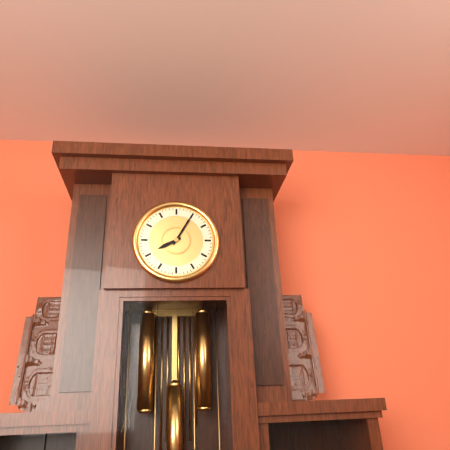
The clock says 8 h 05 min
